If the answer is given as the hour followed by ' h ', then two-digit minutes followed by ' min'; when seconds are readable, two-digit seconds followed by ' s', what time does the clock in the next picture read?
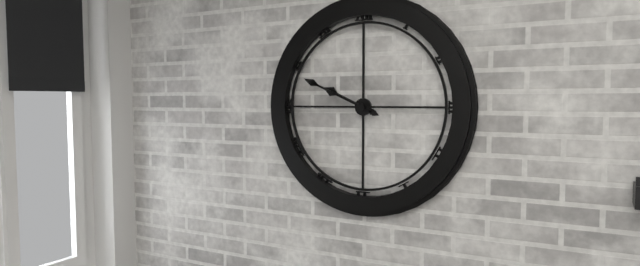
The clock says 9 h 49 min
